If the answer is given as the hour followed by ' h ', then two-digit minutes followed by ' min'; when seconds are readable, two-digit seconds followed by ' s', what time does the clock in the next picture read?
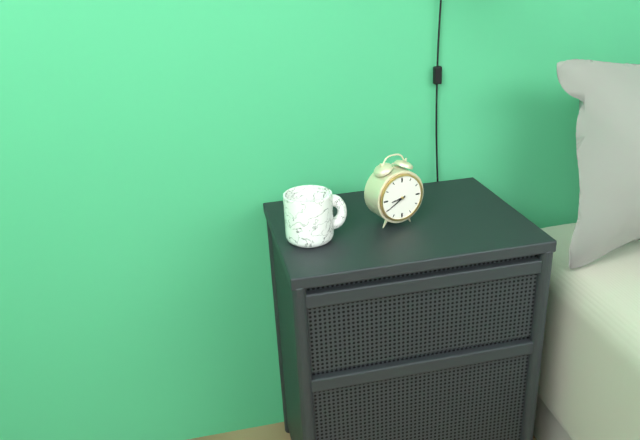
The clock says 8 h 40 min
